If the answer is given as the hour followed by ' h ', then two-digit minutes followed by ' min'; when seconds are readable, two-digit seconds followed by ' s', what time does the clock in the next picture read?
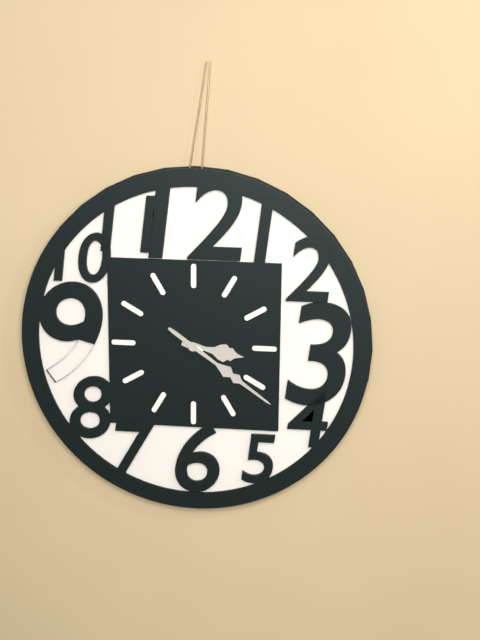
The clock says 3 h 21 min
